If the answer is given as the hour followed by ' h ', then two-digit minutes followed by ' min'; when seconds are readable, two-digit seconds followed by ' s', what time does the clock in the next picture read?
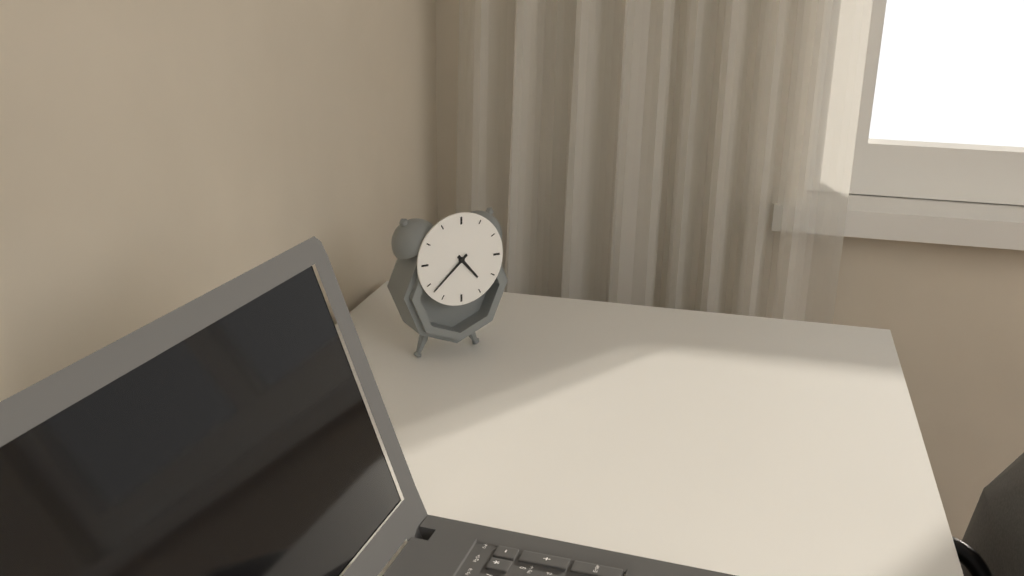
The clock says 4 h 38 min
